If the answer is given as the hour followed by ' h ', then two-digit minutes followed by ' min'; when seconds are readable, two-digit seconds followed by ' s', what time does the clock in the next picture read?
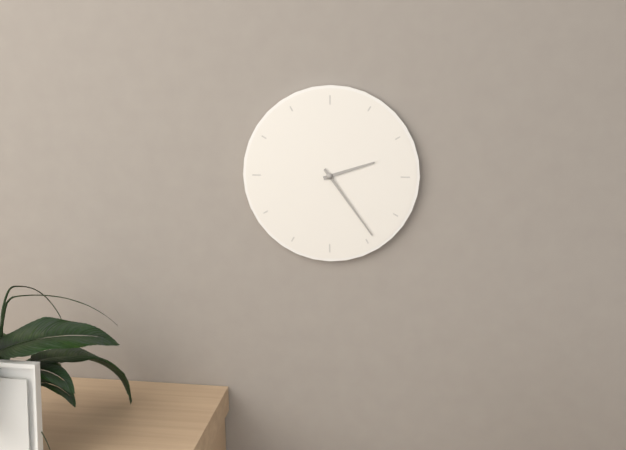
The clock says 2 h 24 min
